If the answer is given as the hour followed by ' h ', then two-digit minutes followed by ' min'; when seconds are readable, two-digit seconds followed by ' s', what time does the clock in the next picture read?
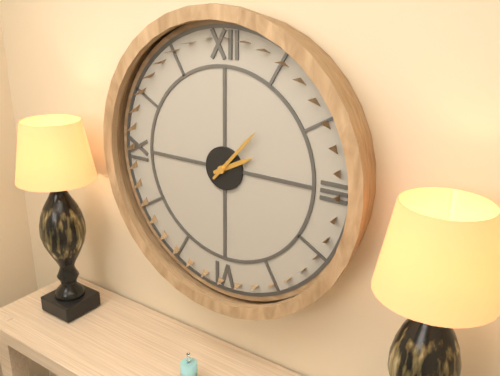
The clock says 2 h 07 min
